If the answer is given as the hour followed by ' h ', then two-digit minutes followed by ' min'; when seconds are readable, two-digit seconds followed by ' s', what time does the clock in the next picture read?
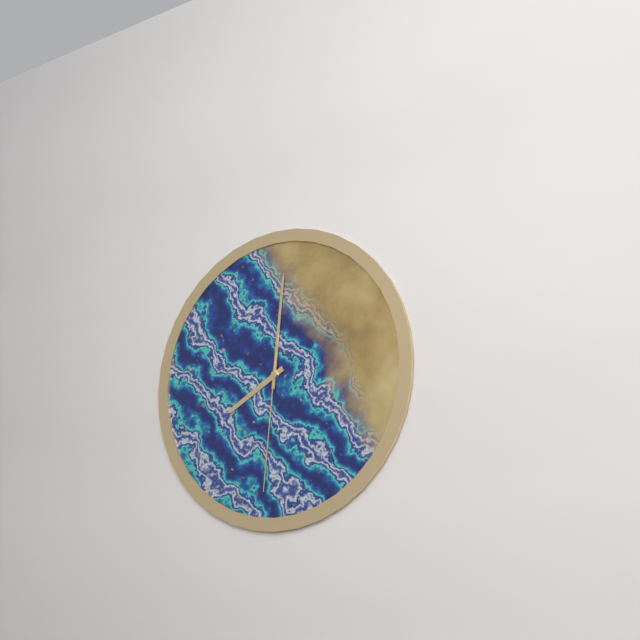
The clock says 8 h 01 min 31 s
